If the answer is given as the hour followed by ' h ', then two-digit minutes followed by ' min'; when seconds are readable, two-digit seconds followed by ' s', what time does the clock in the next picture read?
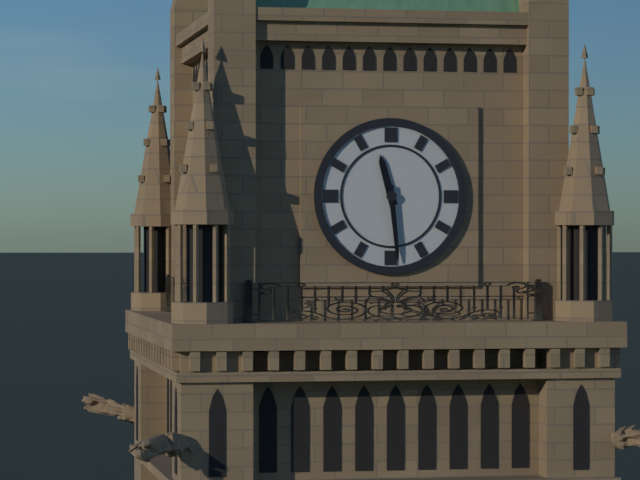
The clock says 11 h 29 min
